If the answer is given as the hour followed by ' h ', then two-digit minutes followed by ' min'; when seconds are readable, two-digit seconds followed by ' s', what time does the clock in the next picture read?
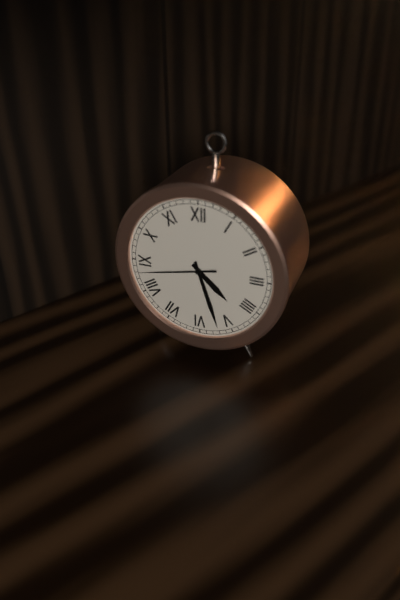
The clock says 4 h 27 min 43 s
